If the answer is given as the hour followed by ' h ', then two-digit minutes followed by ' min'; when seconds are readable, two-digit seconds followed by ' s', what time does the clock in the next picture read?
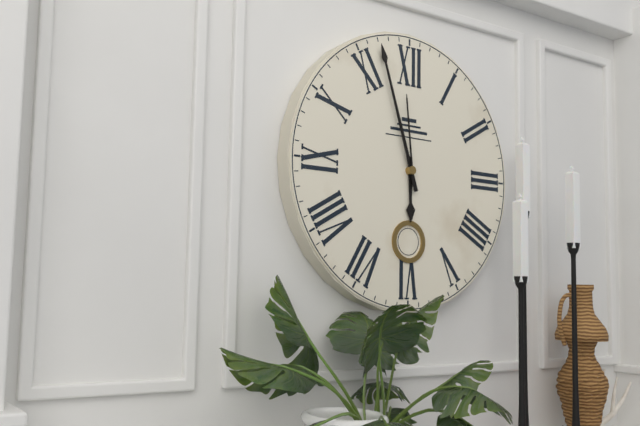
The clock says 5 h 57 min 59 s
